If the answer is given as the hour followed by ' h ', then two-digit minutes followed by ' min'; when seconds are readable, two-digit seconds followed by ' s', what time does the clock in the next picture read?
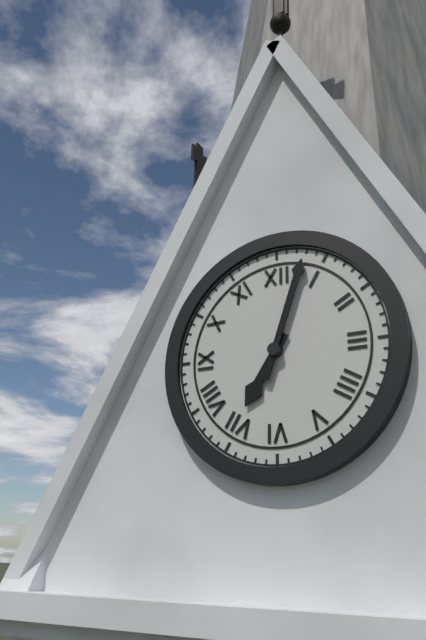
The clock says 7 h 03 min
